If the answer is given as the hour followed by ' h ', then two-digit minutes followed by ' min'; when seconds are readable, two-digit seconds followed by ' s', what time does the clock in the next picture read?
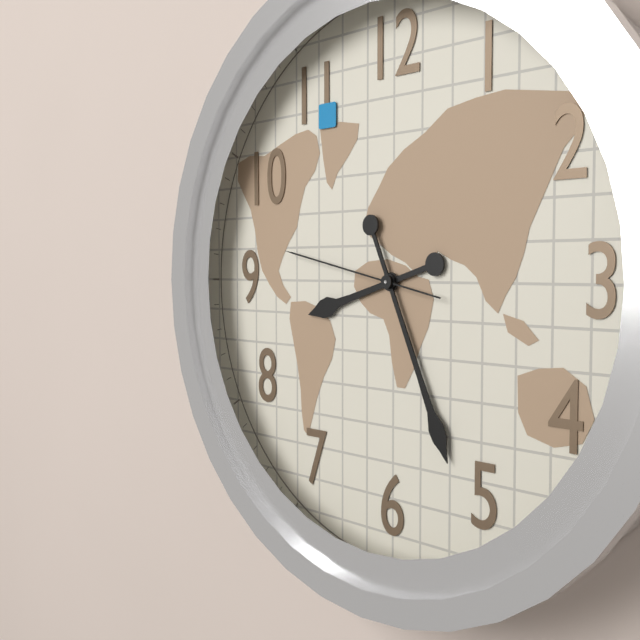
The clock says 8 h 26 min 47 s
